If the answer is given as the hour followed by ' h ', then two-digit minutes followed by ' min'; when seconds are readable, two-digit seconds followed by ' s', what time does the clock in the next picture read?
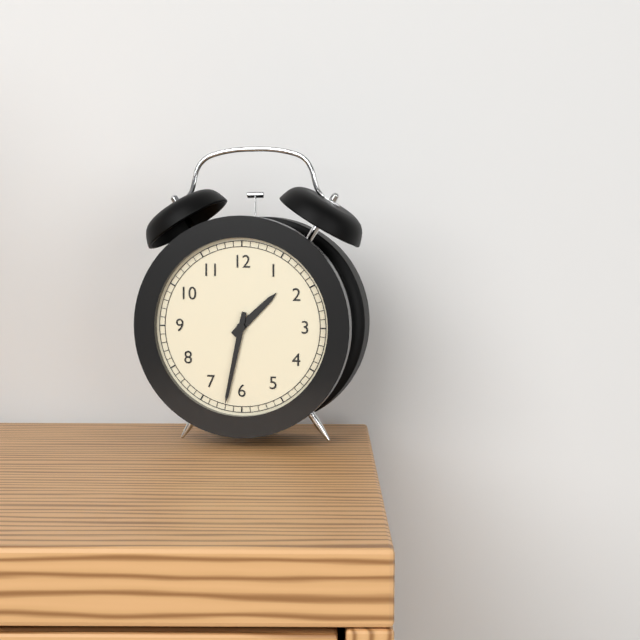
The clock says 1 h 32 min
